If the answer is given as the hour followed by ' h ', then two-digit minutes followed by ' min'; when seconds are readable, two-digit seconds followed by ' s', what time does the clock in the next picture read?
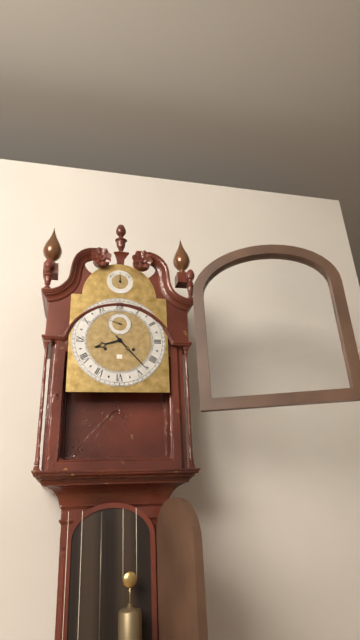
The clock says 8 h 23 min
